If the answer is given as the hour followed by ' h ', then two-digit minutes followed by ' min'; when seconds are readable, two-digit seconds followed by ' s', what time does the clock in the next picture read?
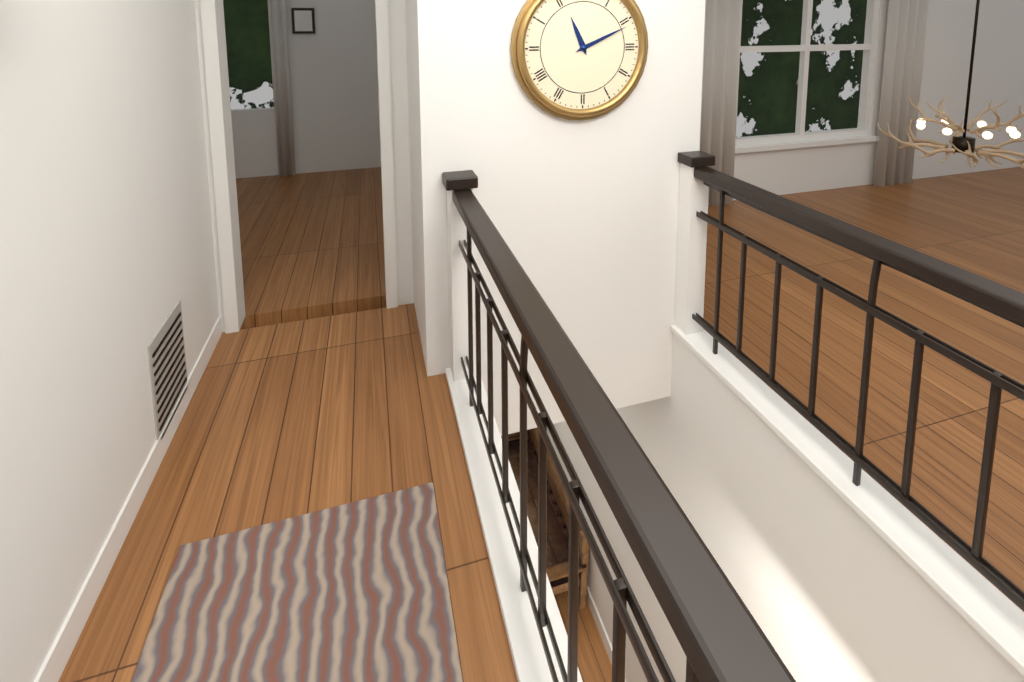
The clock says 11 h 11 min
